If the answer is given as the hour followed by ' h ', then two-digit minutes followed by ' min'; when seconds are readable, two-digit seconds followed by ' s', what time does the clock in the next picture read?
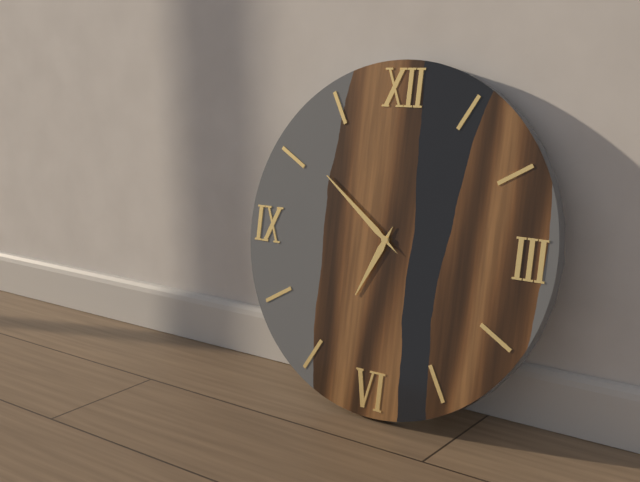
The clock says 6 h 51 min
